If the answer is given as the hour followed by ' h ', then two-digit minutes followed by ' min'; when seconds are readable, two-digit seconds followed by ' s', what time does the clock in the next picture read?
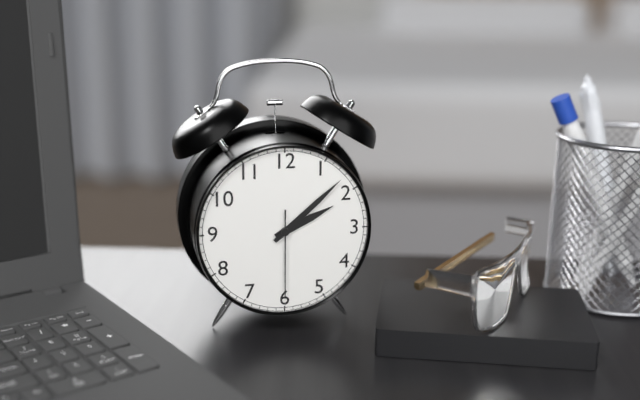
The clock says 2 h 08 min 30 s
